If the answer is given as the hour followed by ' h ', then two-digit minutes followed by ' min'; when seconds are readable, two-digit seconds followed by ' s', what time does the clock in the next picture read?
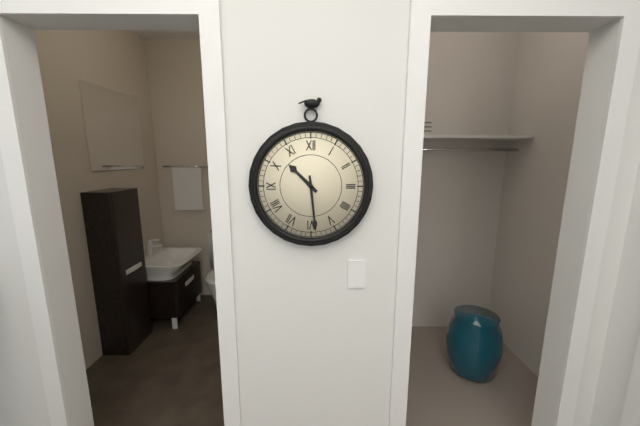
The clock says 10 h 29 min
